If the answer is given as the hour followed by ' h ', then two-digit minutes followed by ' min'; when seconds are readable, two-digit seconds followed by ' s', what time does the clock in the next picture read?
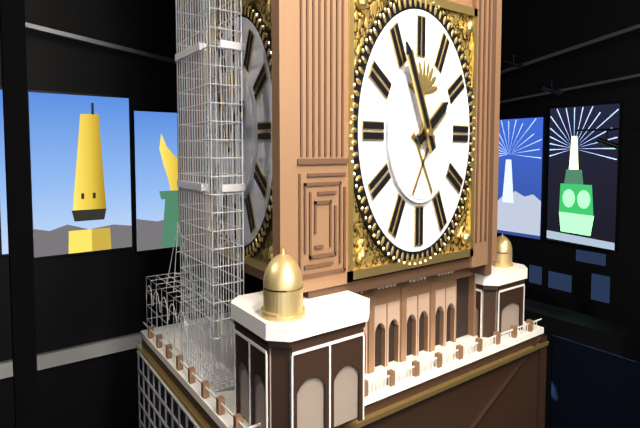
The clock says 1 h 55 min
